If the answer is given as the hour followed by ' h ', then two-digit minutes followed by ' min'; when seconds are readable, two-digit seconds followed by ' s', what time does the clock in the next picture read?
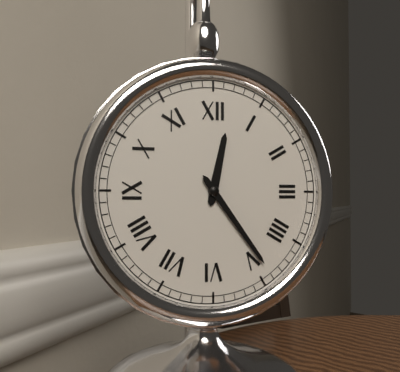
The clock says 12 h 24 min
